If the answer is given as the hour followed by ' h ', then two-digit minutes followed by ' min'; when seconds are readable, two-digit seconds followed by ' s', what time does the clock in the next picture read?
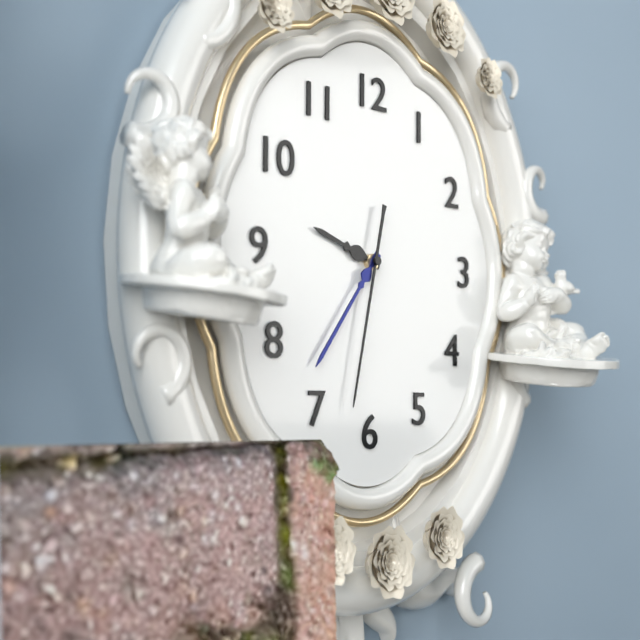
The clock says 9 h 36 min 32 s
